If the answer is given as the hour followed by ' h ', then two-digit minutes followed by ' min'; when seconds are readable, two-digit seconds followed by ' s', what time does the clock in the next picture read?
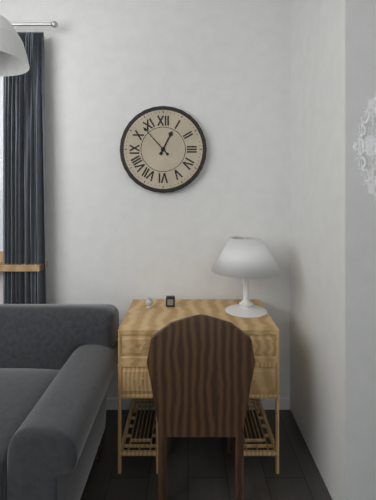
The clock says 12 h 53 min
